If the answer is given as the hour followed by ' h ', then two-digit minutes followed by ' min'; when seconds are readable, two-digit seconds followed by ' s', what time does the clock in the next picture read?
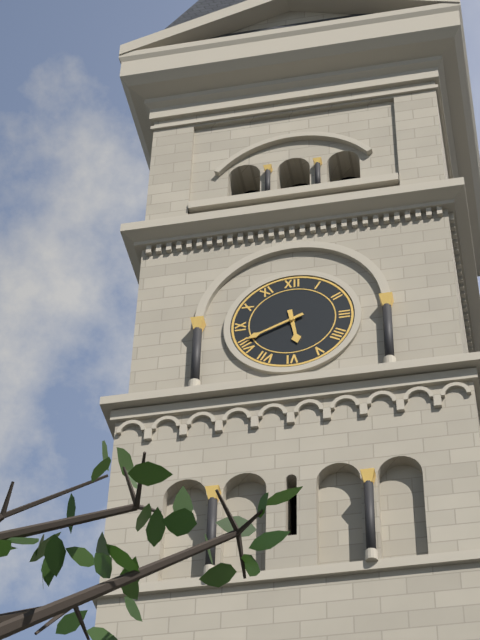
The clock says 5 h 41 min
